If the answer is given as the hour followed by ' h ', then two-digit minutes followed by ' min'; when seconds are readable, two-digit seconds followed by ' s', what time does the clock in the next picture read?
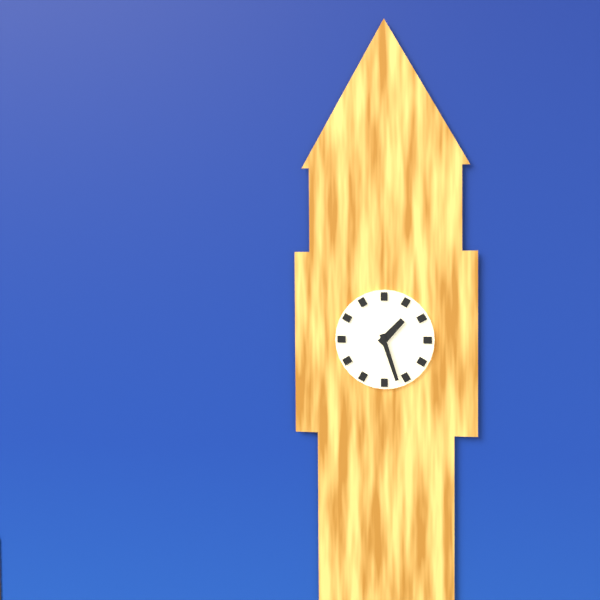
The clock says 1 h 27 min
